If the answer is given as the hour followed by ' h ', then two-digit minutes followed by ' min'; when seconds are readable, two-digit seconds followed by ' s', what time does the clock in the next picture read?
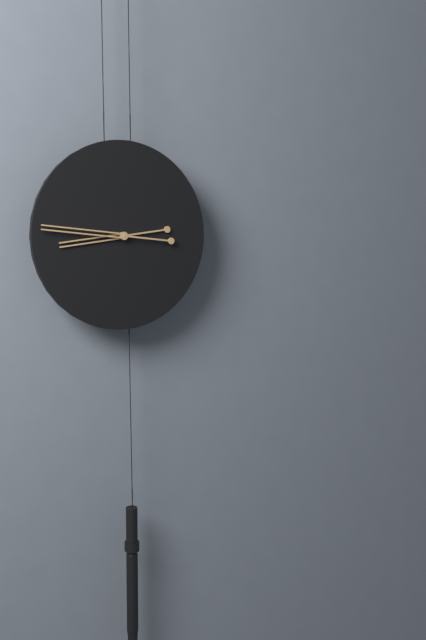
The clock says 8 h 46 min
